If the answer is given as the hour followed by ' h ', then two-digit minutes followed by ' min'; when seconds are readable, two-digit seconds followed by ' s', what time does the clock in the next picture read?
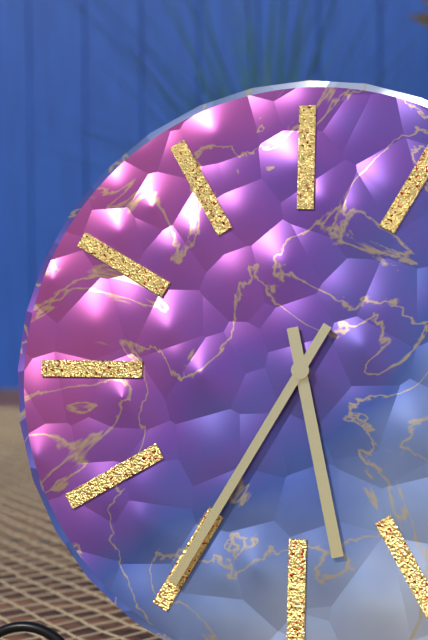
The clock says 5 h 35 min
